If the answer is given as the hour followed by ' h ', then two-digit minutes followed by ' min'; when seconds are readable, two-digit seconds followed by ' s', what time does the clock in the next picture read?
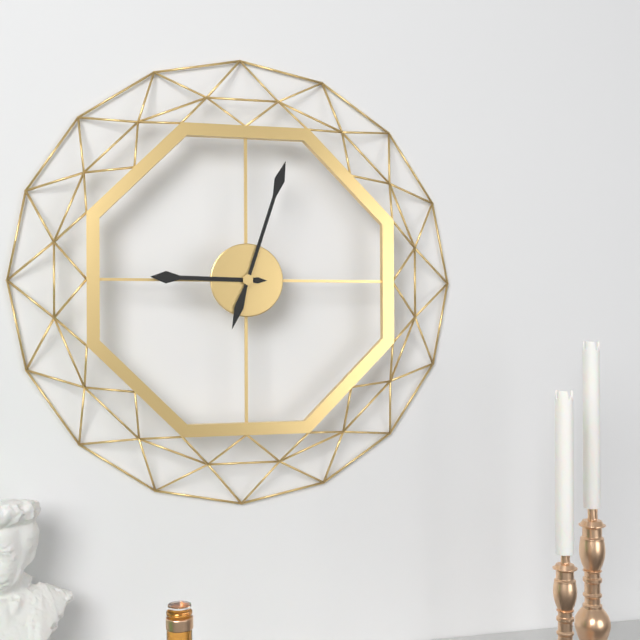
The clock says 9 h 03 min
